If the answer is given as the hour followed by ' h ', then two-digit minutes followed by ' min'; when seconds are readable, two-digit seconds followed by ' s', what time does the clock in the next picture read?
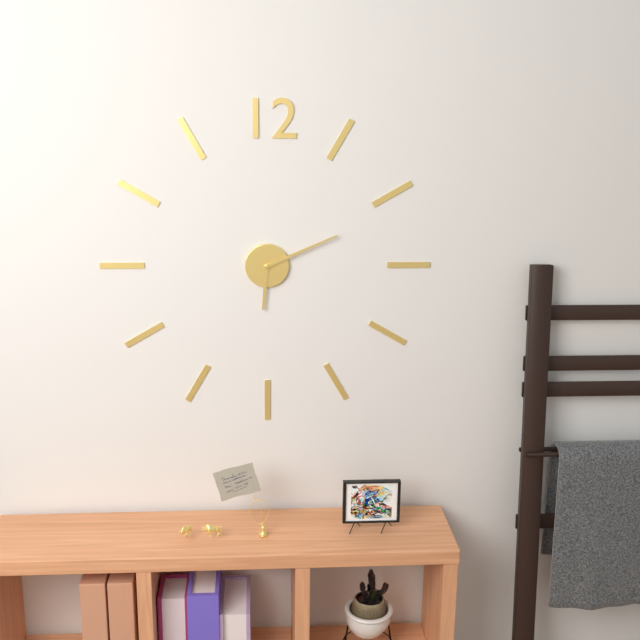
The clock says 6 h 11 min
